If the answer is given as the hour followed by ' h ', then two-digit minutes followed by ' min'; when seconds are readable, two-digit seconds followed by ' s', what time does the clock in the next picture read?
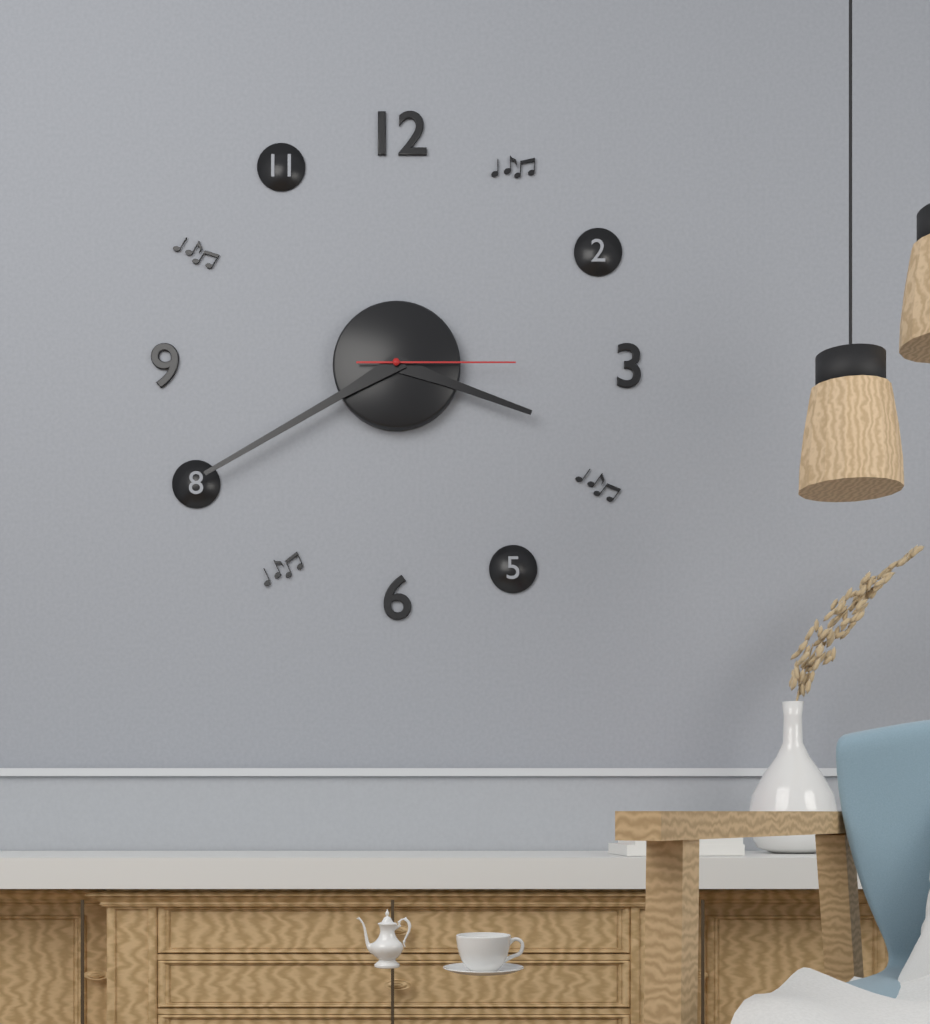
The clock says 3 h 40 min 15 s
